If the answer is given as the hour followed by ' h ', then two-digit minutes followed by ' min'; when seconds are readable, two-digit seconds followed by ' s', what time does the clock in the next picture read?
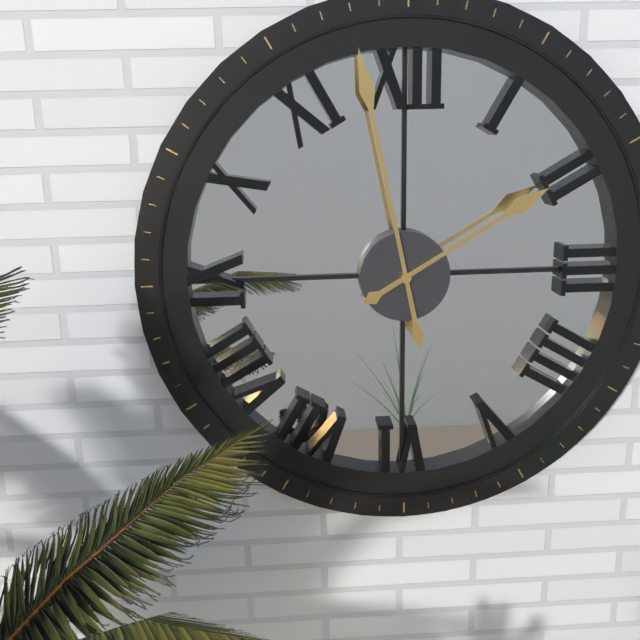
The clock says 1 h 58 min
